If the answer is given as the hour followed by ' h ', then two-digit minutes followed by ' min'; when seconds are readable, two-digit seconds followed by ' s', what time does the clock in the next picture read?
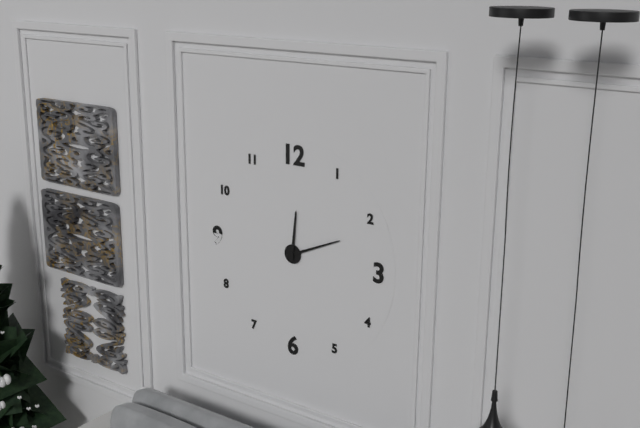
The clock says 12 h 11 min
